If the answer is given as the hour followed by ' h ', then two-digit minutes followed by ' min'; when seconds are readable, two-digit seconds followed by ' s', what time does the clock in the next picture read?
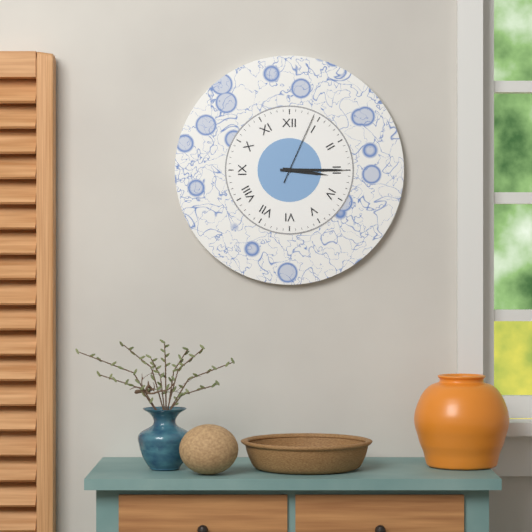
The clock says 3 h 15 min 04 s
